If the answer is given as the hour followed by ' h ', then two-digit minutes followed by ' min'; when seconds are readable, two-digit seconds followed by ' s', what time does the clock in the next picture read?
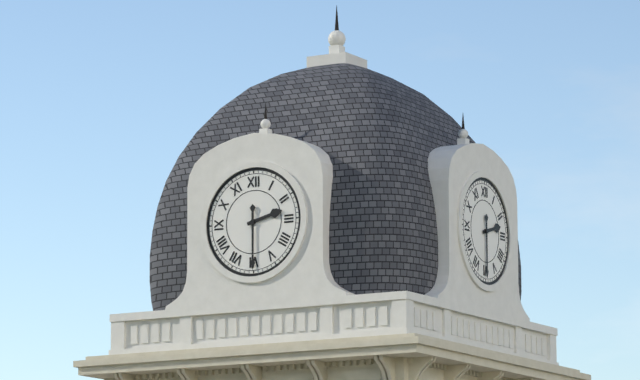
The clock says 2 h 30 min
